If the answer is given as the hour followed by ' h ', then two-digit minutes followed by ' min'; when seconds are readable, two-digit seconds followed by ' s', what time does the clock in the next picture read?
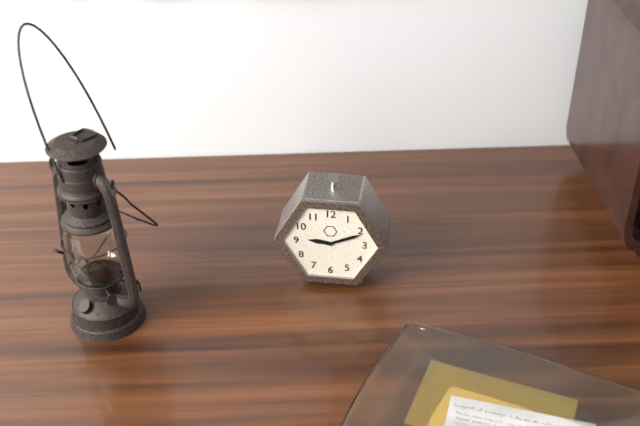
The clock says 9 h 11 min
